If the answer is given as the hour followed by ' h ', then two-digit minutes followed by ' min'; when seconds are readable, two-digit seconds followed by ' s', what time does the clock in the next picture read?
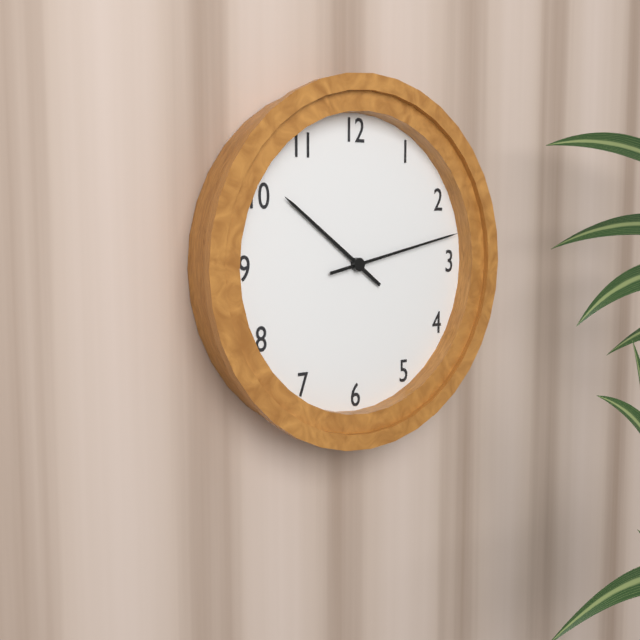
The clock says 10 h 13 min
